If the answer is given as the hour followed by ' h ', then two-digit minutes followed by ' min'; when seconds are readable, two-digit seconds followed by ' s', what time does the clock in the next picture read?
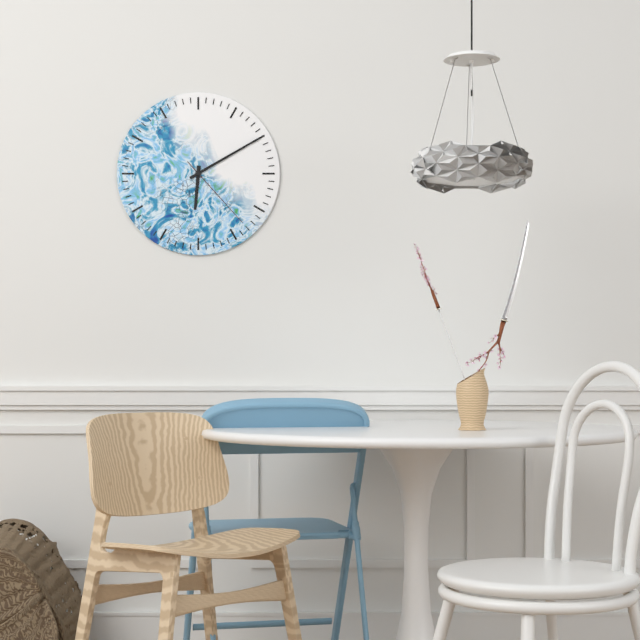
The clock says 6 h 10 min 23 s
